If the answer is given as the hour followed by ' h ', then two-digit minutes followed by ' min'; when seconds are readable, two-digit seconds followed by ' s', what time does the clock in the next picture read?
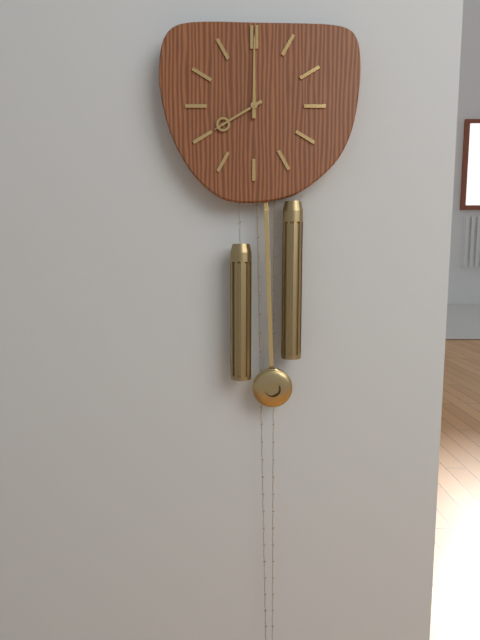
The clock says 8 h 00 min
